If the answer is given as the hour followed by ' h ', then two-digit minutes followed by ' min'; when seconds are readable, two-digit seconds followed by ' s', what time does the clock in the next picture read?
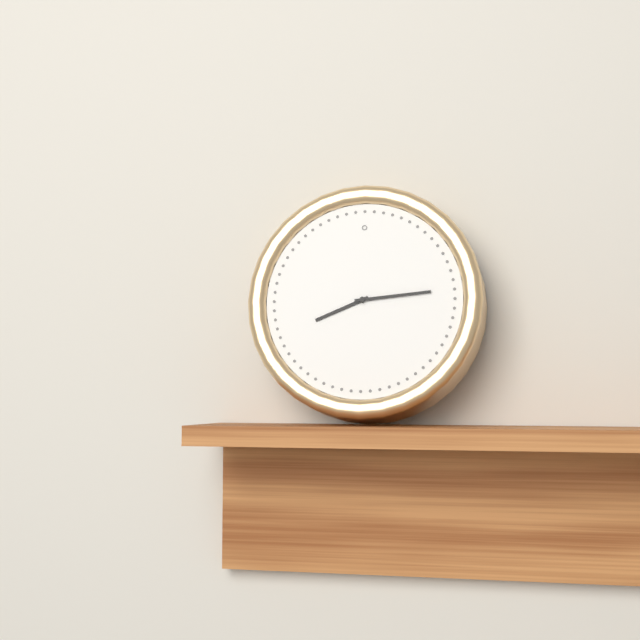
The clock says 8 h 14 min
